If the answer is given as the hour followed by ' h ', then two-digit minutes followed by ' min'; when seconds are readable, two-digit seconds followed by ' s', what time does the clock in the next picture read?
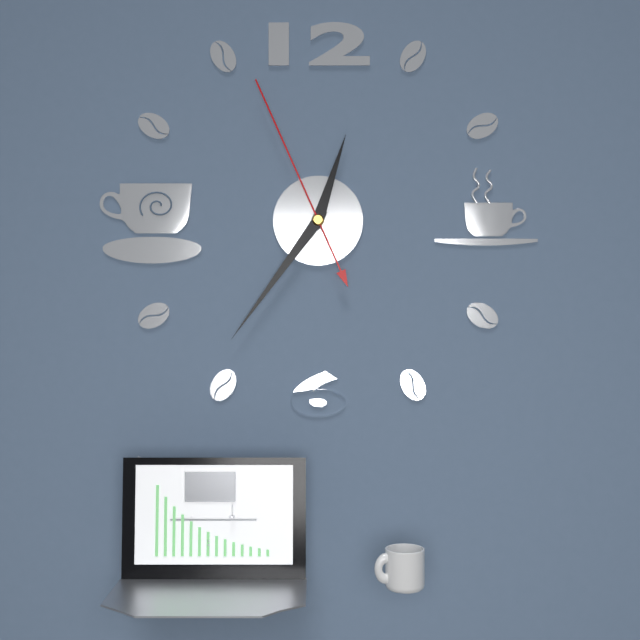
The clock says 12 h 36 min 56 s
